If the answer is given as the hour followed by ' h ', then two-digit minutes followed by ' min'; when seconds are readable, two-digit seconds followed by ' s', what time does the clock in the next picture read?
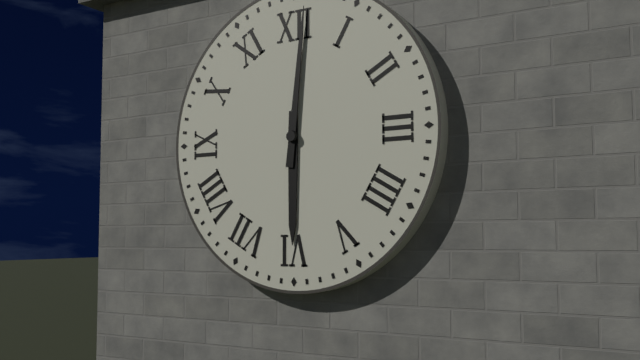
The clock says 6 h 01 min
